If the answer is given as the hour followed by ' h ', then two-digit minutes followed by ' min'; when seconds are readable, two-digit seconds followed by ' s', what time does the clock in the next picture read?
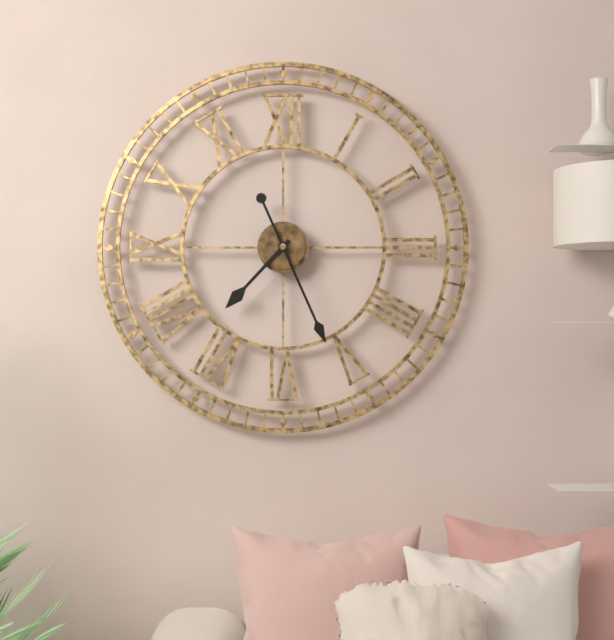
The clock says 7 h 26 min
